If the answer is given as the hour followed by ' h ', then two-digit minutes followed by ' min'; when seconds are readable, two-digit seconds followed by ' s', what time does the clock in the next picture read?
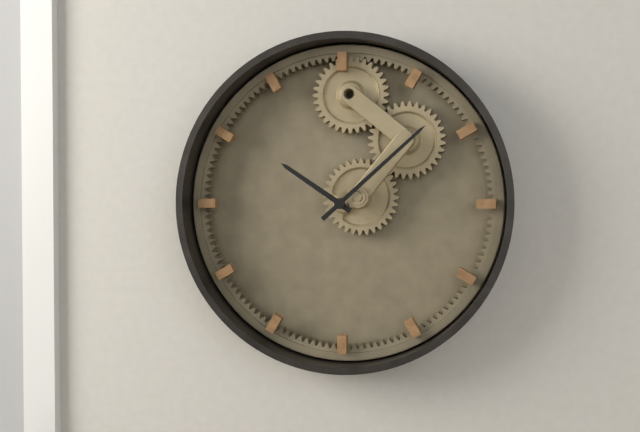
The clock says 10 h 08 min
